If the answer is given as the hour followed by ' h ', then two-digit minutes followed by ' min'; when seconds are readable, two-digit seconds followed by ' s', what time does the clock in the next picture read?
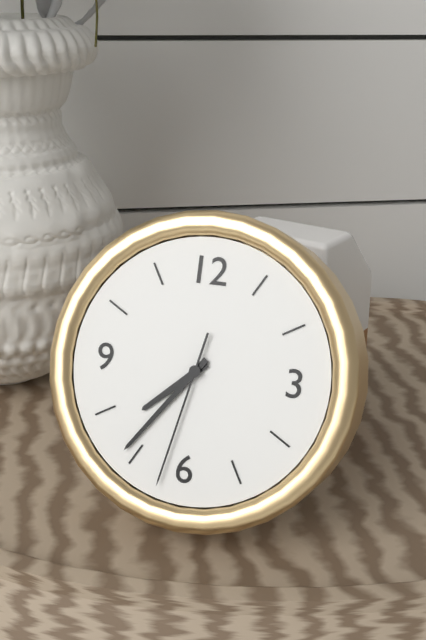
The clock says 7 h 36 min 32 s
